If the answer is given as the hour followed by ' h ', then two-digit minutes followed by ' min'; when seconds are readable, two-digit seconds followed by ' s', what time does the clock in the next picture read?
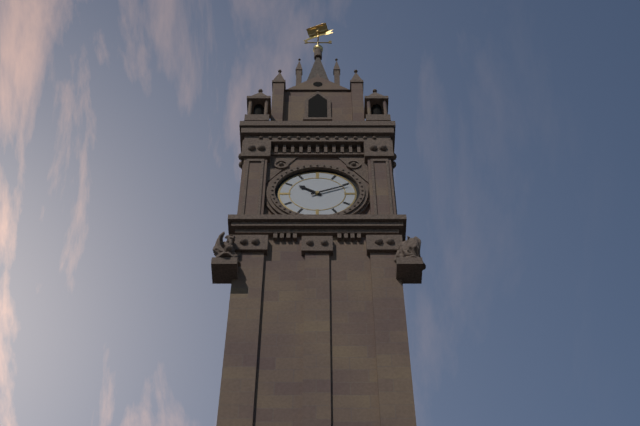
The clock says 10 h 11 min
